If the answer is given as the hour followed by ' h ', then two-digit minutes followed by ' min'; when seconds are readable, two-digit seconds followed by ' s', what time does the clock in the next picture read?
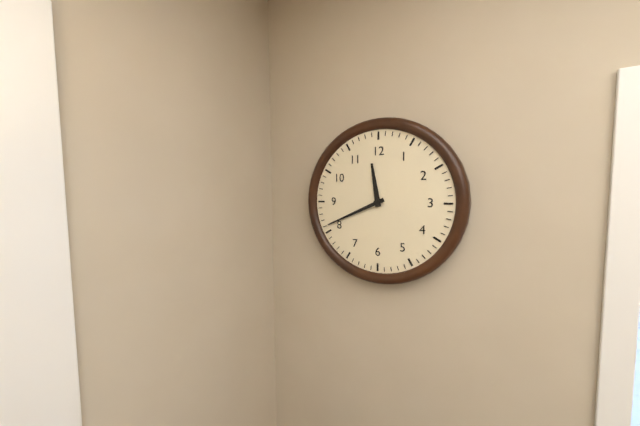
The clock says 11 h 41 min
